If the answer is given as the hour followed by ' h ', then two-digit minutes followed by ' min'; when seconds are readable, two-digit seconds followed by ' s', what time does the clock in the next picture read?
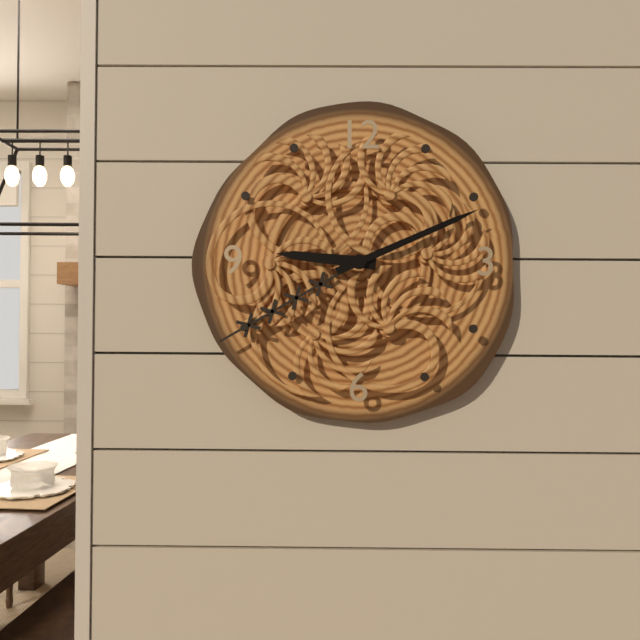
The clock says 9 h 11 min
